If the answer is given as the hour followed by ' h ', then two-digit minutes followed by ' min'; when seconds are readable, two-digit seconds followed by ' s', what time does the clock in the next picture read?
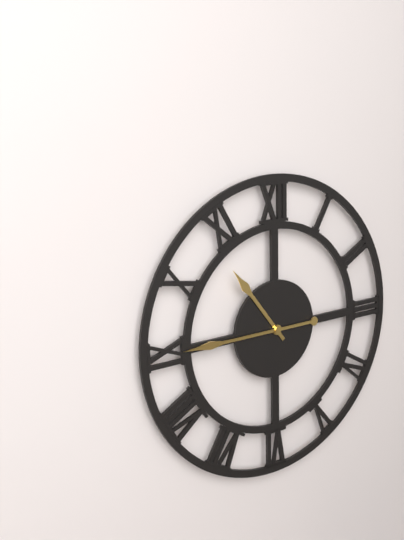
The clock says 10 h 45 min
